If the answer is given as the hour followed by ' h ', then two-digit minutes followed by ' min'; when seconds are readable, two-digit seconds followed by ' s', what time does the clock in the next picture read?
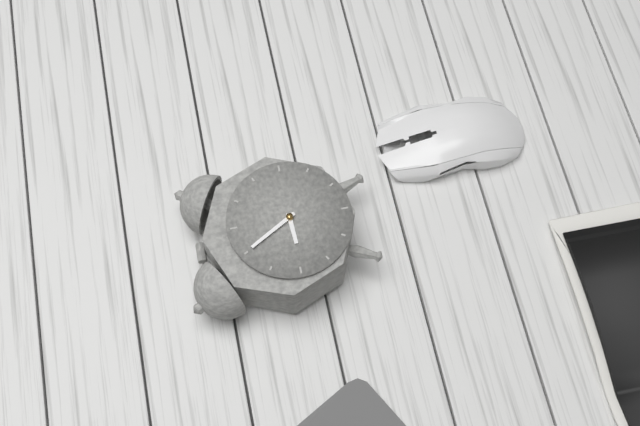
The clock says 8 h 55 min
